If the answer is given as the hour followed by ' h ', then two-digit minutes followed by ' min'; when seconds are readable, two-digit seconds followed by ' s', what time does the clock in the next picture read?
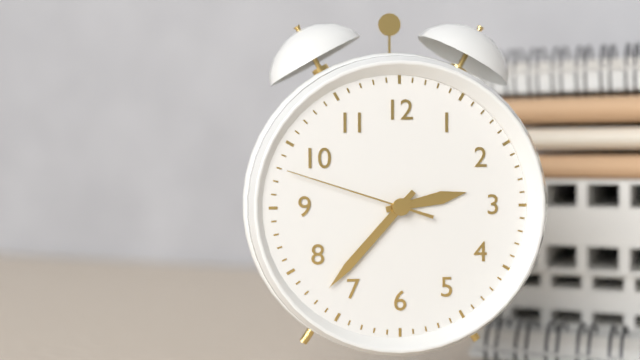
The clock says 2 h 37 min 48 s
